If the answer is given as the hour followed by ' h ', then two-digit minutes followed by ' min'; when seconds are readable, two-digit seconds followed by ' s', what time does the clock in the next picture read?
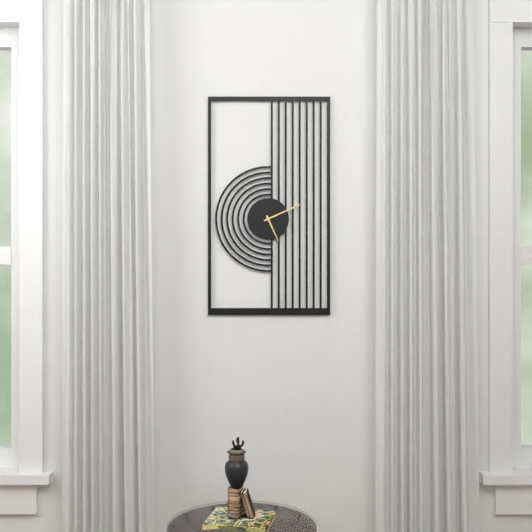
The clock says 5 h 11 min
